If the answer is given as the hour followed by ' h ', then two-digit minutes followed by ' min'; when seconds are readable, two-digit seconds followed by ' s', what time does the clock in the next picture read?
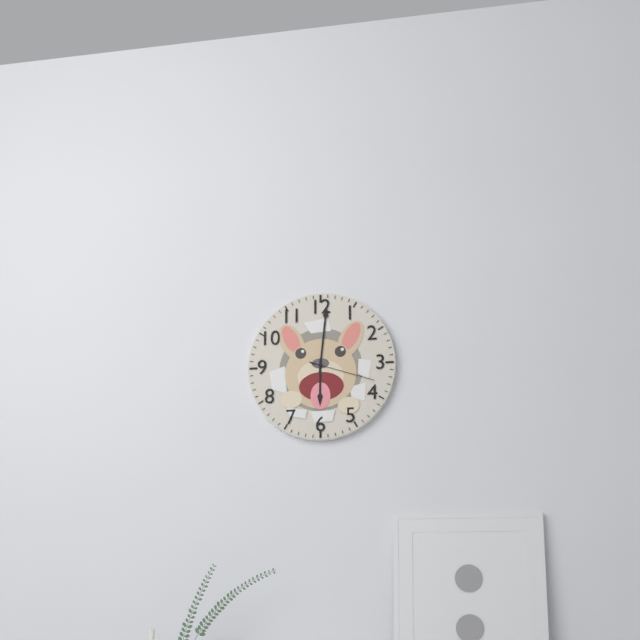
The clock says 6 h 01 min 18 s
